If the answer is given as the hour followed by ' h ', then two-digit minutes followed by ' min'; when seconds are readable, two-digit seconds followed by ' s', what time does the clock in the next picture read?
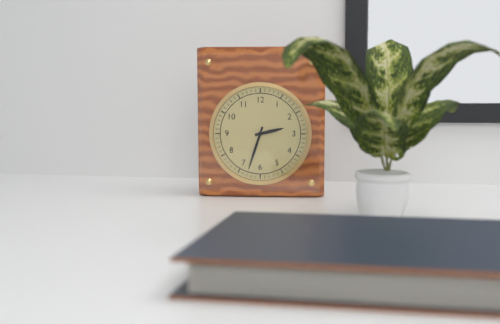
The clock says 2 h 33 min
